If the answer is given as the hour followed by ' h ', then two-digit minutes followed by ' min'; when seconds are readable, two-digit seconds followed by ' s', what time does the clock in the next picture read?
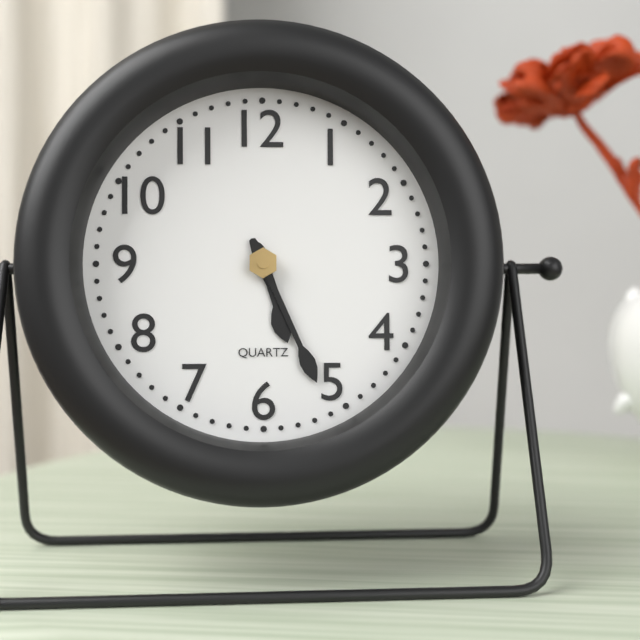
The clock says 5 h 26 min
